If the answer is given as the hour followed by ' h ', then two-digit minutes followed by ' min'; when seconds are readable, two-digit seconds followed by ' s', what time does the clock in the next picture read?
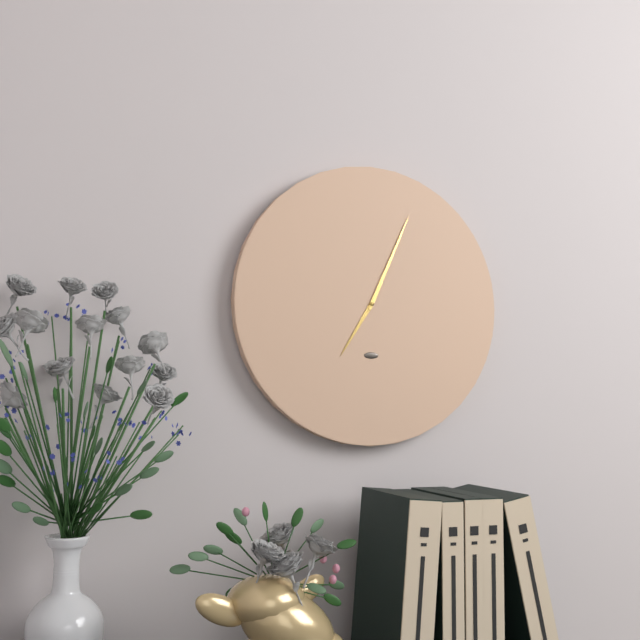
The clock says 7 h 04 min
